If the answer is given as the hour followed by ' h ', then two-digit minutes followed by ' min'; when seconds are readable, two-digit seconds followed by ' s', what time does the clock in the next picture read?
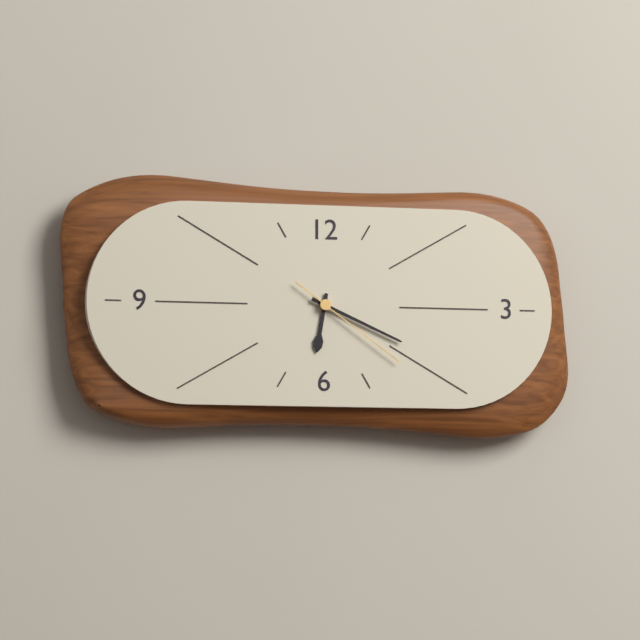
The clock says 6 h 19 min 21 s
